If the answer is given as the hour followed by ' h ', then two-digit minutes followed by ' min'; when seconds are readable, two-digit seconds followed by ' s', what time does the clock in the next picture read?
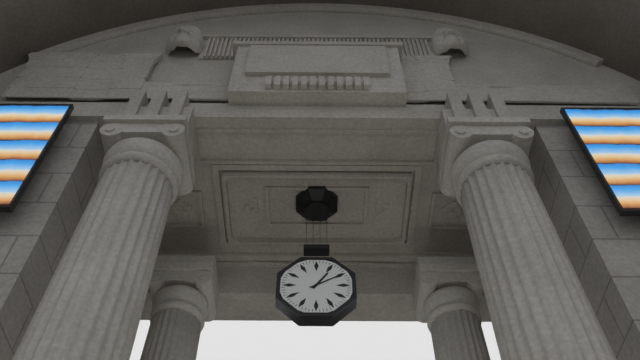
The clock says 1 h 10 min
